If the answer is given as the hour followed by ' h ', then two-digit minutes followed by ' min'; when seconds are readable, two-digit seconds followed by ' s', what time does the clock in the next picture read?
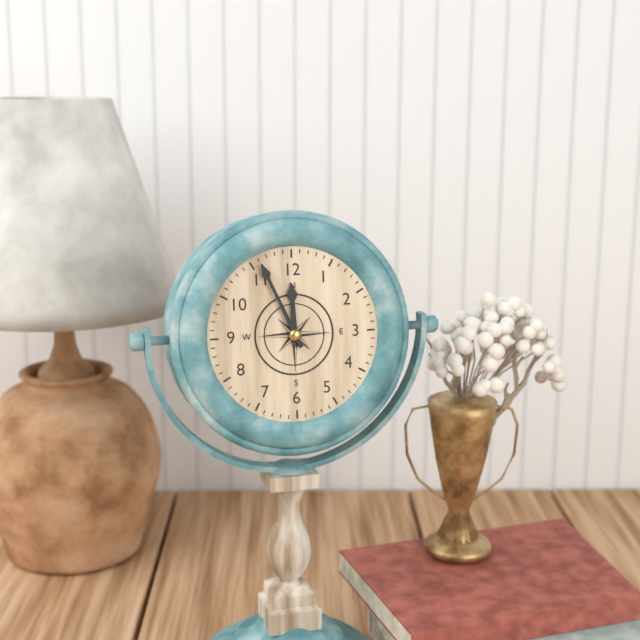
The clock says 11 h 56 min
